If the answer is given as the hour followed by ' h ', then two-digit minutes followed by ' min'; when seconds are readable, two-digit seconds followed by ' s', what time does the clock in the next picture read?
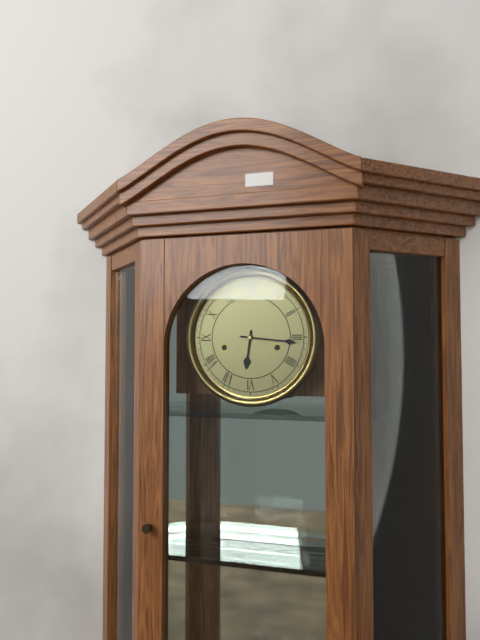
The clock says 6 h 16 min
